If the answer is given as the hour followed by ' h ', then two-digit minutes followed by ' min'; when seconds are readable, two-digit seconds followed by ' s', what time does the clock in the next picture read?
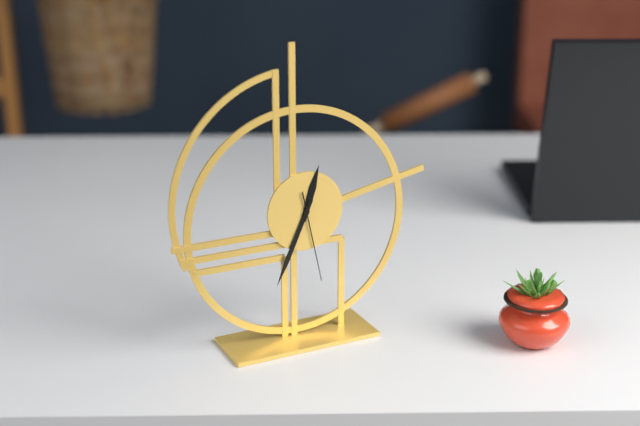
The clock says 12 h 34 min 28 s
